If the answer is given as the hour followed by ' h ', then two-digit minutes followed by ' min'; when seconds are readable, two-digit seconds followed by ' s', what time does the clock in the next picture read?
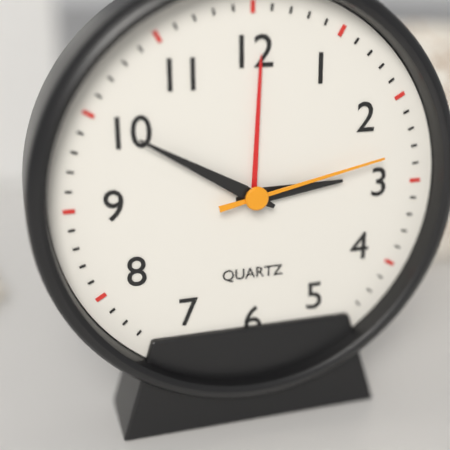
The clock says 2 h 50 min 13 s
